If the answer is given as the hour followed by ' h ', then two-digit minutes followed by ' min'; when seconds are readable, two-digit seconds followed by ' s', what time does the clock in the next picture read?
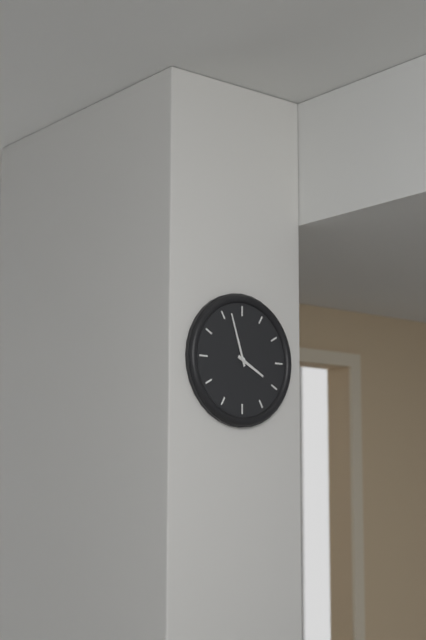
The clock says 3 h 57 min
